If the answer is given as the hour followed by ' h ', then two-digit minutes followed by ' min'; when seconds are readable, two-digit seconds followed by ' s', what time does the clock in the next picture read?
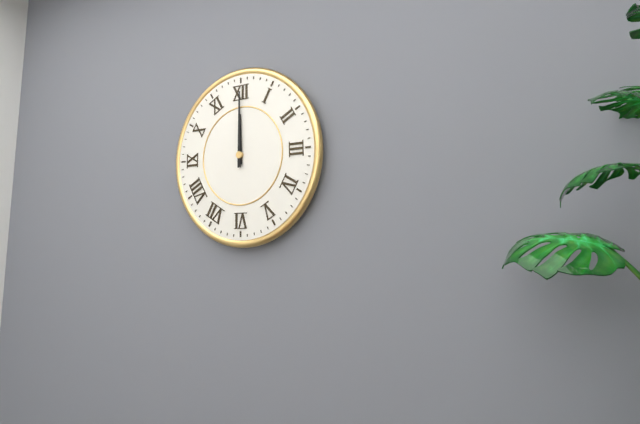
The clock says 12 h 00 min
